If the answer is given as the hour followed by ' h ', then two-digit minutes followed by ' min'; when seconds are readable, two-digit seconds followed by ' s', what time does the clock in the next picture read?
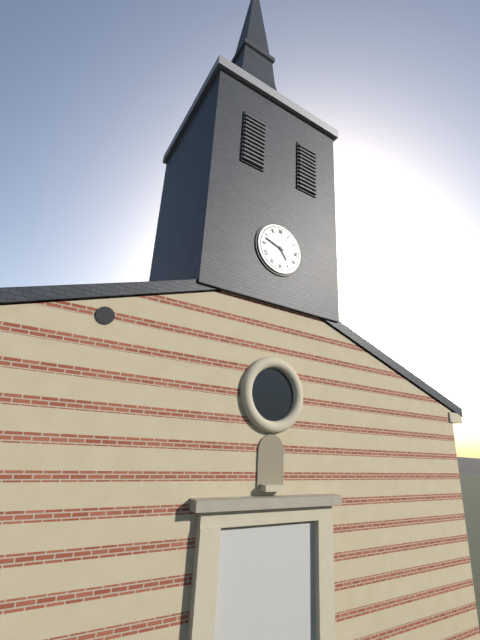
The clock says 4 h 48 min
